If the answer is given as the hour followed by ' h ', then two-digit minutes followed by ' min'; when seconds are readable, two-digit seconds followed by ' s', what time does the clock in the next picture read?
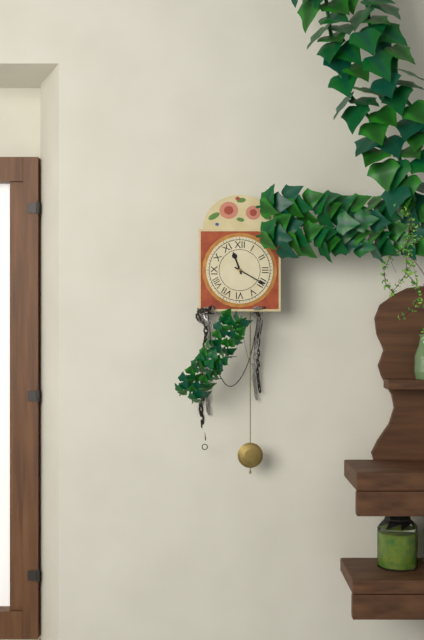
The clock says 11 h 20 min
